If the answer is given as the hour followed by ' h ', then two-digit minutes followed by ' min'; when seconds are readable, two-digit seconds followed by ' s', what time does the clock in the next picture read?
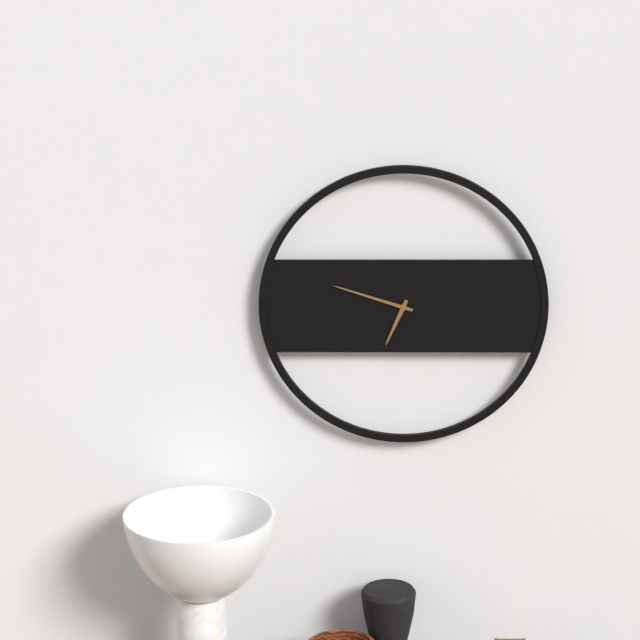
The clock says 6 h 48 min
